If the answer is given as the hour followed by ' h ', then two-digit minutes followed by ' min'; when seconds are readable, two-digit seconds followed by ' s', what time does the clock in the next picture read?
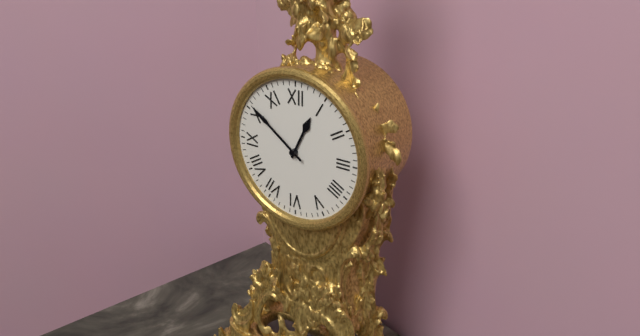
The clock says 12 h 51 min
